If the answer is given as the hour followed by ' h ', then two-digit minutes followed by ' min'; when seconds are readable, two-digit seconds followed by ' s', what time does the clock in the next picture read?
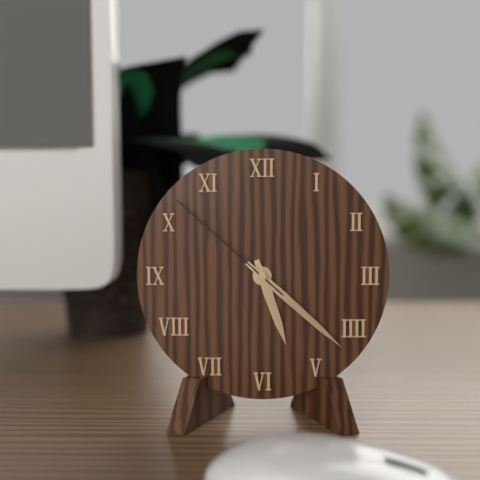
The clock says 5 h 22 min 52 s
